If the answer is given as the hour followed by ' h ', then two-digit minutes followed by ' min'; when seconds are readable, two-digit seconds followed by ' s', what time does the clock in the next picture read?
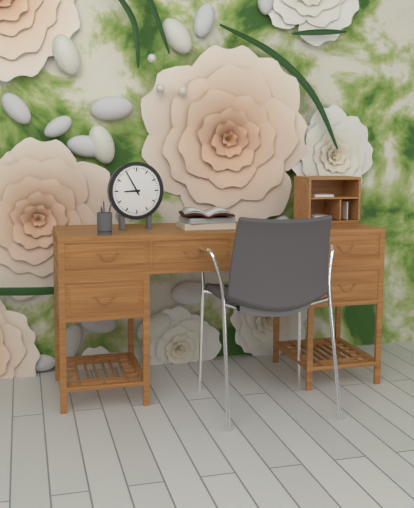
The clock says 8 h 55 min
